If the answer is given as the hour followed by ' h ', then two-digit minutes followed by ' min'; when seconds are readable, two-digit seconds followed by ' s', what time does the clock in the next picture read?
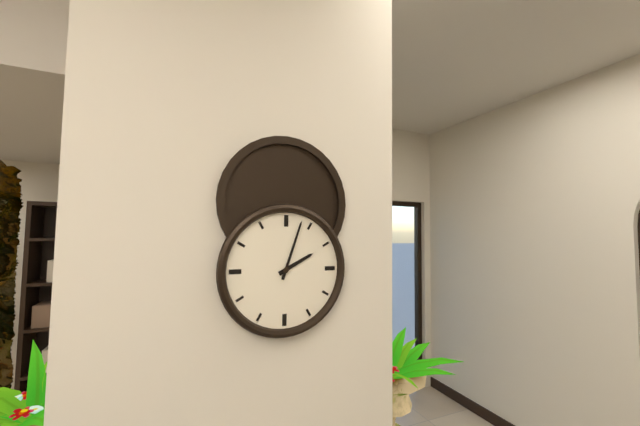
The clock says 2 h 03 min
